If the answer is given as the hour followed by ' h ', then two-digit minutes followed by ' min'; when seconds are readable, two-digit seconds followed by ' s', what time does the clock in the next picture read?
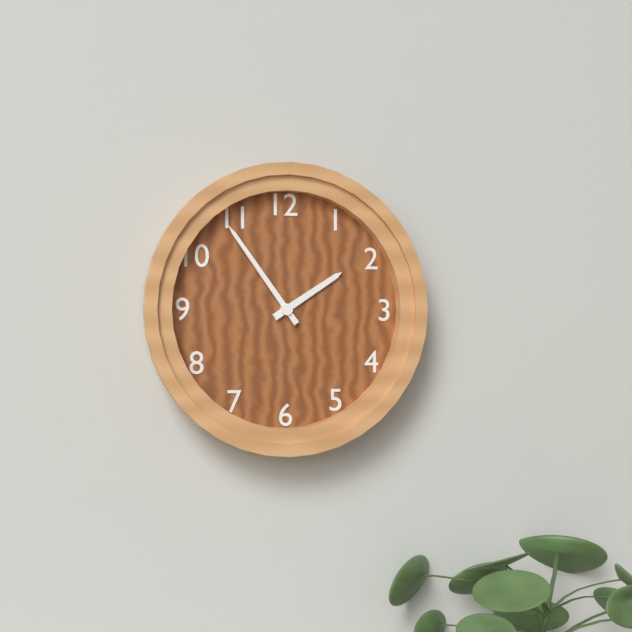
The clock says 1 h 54 min
